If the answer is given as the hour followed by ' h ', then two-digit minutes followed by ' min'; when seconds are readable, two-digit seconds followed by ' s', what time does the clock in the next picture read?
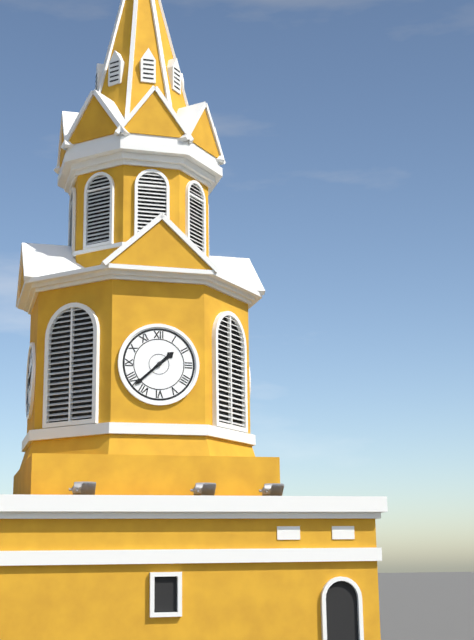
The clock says 1 h 38 min
